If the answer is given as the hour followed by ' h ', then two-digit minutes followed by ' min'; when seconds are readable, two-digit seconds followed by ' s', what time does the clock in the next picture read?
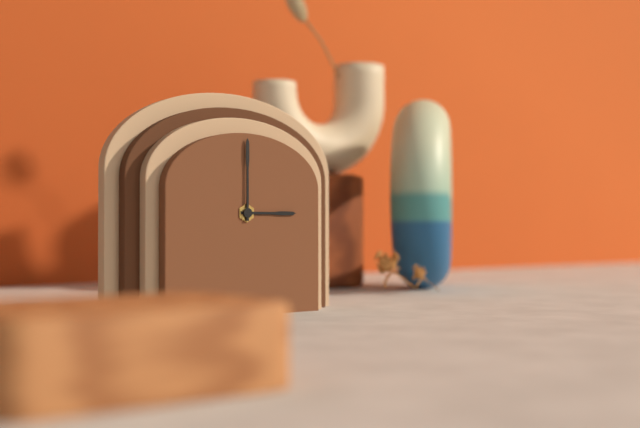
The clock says 3 h 00 min
